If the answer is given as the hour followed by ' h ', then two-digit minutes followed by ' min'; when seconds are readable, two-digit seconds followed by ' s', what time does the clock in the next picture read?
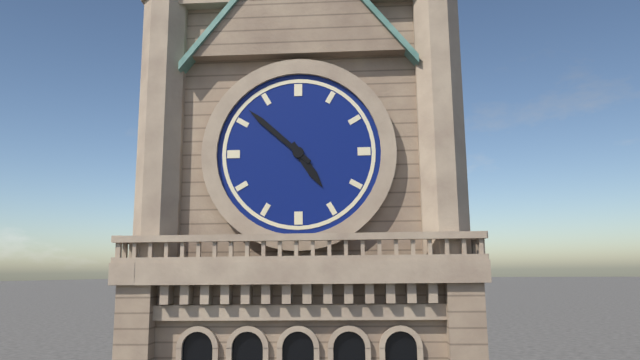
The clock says 4 h 52 min
